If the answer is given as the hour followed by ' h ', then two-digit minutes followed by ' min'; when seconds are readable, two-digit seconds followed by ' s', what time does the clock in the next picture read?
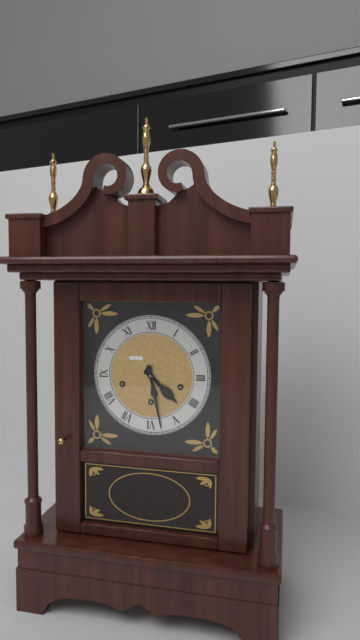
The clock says 4 h 28 min
